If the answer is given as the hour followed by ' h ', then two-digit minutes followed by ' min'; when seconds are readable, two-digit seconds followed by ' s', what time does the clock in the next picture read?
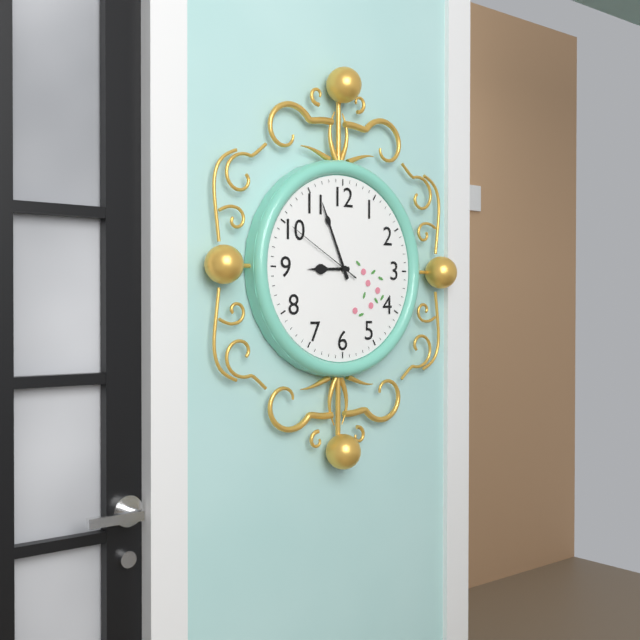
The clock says 8 h 56 min 50 s
